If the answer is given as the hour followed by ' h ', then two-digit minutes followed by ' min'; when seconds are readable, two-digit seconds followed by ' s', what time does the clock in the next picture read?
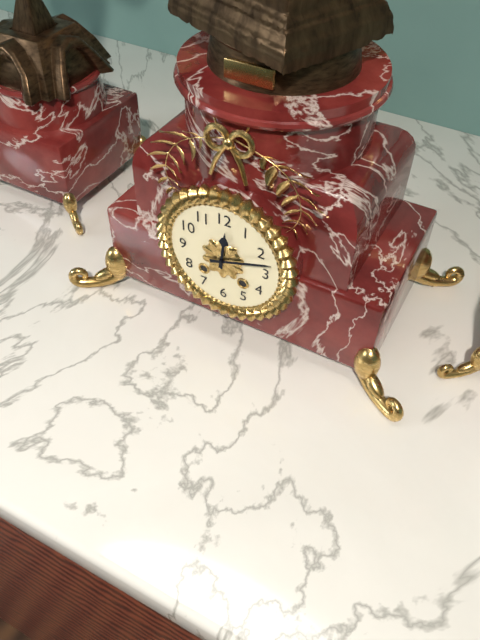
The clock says 12 h 12 min
